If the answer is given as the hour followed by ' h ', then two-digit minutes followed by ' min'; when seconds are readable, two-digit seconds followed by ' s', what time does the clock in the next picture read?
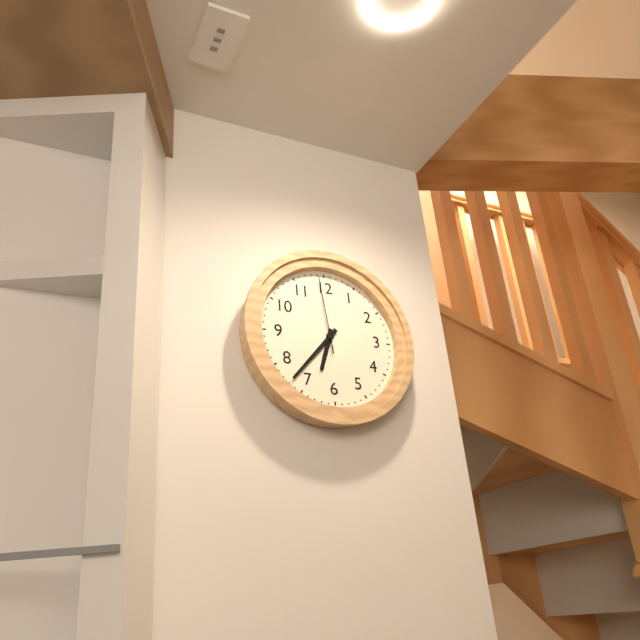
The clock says 6 h 37 min 59 s
